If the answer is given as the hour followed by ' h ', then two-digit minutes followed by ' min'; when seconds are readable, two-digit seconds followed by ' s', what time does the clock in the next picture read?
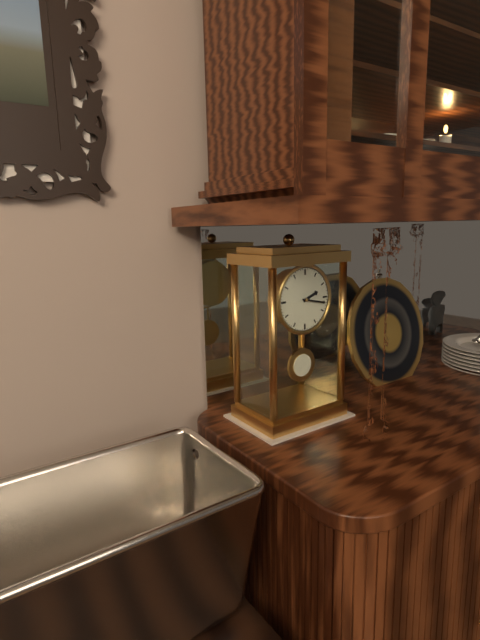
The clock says 2 h 17 min
